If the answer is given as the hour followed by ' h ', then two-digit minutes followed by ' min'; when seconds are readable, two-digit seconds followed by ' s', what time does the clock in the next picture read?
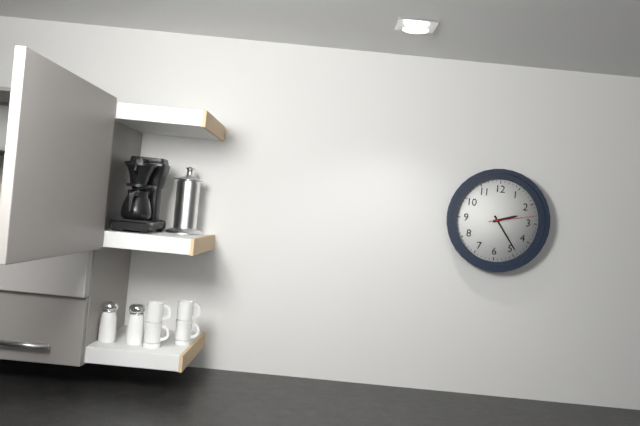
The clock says 2 h 24 min
